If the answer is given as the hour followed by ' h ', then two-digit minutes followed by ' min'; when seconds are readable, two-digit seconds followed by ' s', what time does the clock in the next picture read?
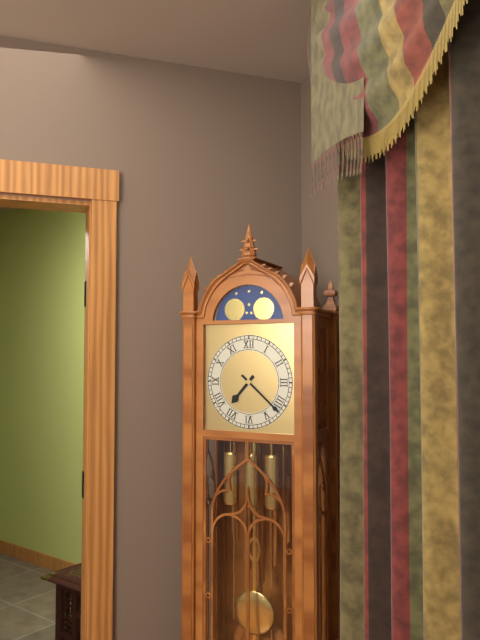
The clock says 7 h 22 min
